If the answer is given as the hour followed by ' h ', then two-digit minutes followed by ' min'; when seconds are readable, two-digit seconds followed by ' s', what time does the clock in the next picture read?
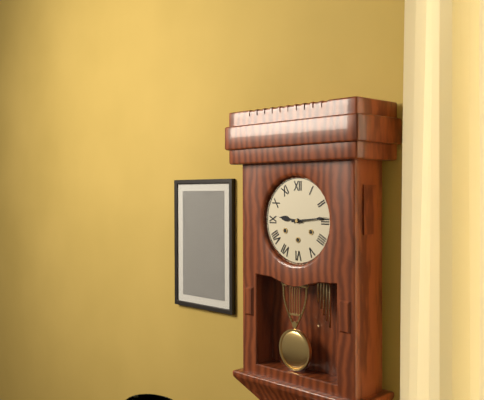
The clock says 9 h 14 min
